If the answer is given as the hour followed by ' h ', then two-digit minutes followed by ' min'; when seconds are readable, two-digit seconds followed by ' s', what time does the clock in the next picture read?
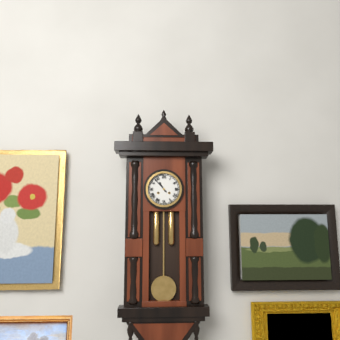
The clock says 10 h 53 min
